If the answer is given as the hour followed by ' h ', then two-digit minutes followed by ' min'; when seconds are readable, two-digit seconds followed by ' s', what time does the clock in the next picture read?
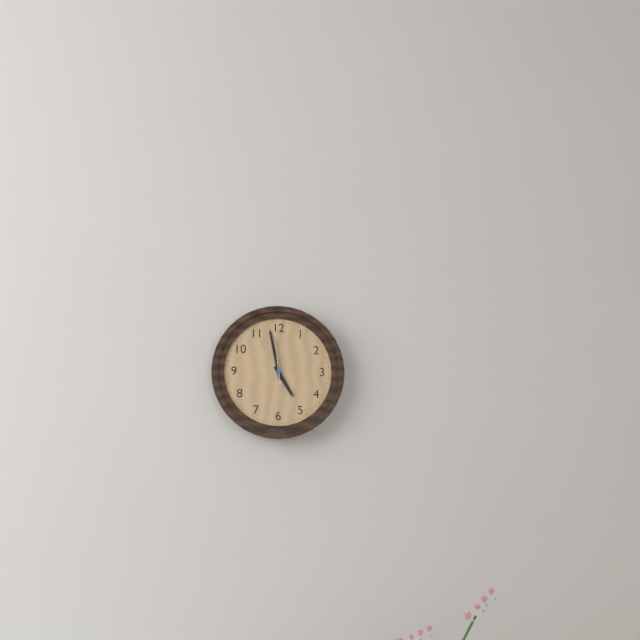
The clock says 4 h 58 min 59 s
